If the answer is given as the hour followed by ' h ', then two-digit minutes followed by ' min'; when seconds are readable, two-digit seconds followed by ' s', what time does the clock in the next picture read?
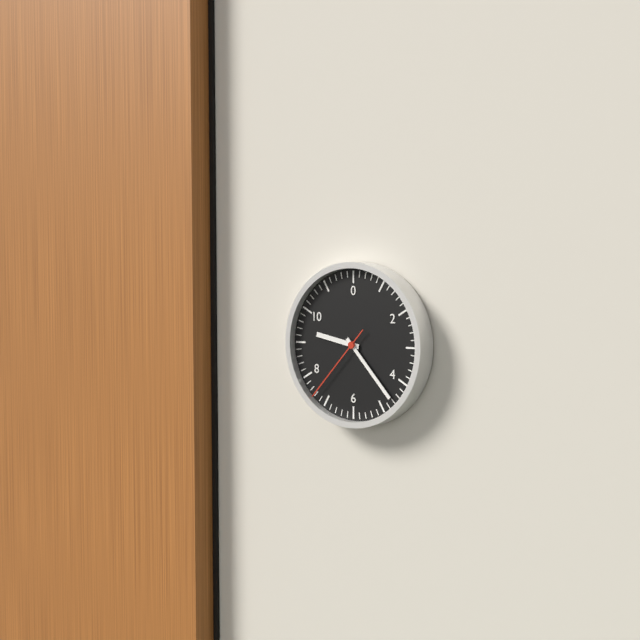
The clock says 9 h 23 min 37 s
